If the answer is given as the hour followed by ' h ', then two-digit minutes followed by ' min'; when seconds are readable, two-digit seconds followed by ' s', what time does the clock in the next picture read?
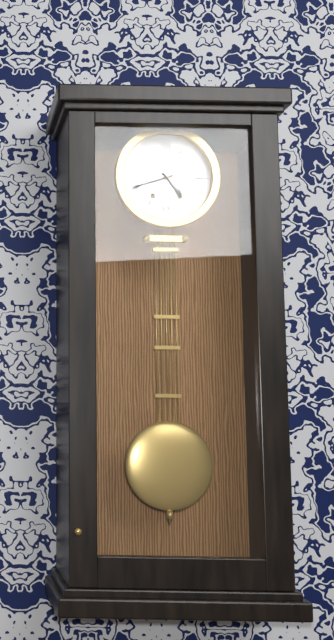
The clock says 4 h 42 min
